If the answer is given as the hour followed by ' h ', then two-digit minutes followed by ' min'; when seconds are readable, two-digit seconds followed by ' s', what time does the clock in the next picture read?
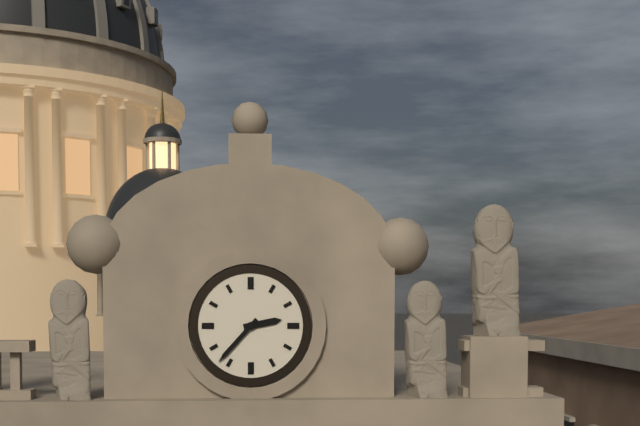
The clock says 2 h 37 min
